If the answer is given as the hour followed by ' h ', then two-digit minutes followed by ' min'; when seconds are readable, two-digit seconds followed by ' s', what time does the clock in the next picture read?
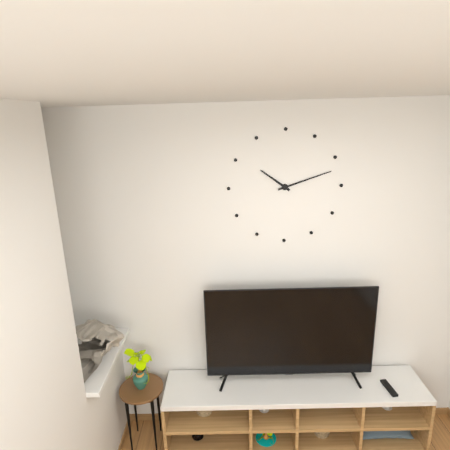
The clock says 10 h 12 min
